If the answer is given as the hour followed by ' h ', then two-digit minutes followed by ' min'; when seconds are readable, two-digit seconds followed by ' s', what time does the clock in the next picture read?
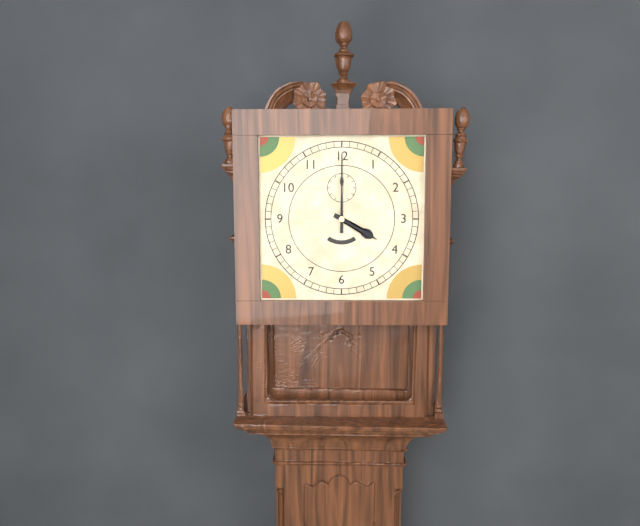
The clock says 4 h 00 min
